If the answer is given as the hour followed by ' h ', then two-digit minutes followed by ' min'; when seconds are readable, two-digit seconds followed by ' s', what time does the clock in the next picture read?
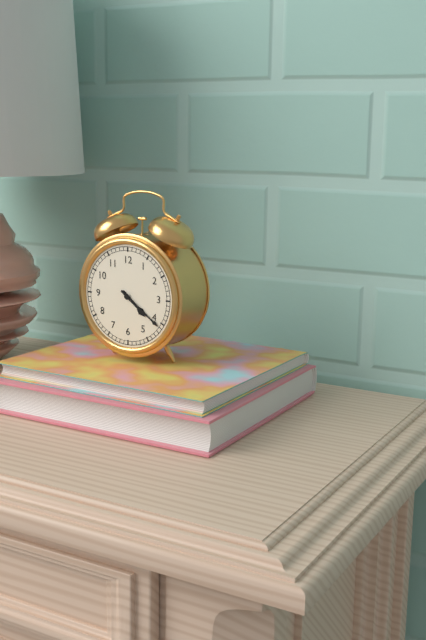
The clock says 4 h 21 min
